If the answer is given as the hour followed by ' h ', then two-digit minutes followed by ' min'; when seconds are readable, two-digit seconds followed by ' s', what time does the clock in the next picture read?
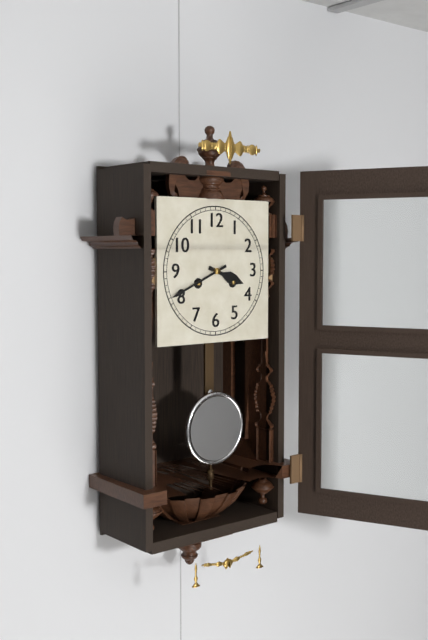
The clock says 3 h 41 min
